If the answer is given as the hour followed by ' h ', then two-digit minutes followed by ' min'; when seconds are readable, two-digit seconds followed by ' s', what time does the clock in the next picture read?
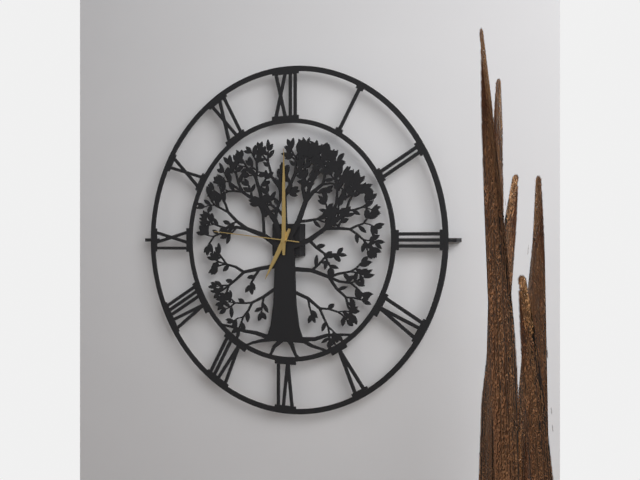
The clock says 7 h 00 min 46 s
